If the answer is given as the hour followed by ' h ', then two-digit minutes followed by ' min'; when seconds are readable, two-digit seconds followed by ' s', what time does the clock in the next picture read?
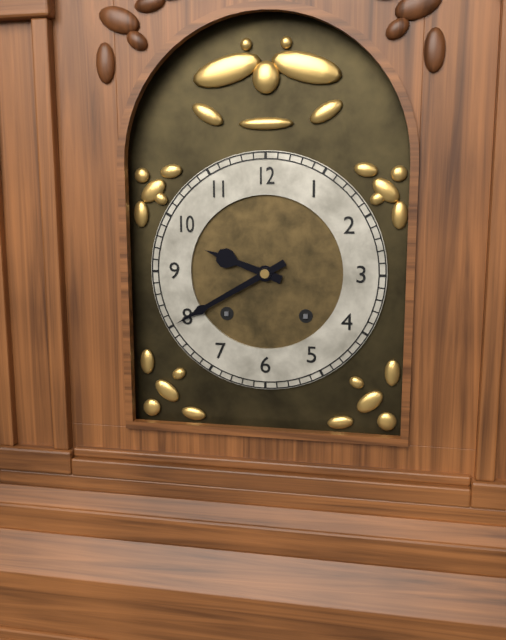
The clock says 9 h 40 min
